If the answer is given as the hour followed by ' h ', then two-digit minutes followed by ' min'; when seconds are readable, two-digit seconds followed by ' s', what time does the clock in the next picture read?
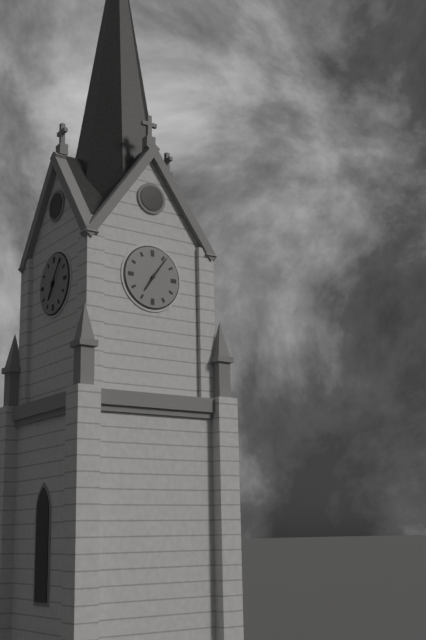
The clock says 7 h 06 min
